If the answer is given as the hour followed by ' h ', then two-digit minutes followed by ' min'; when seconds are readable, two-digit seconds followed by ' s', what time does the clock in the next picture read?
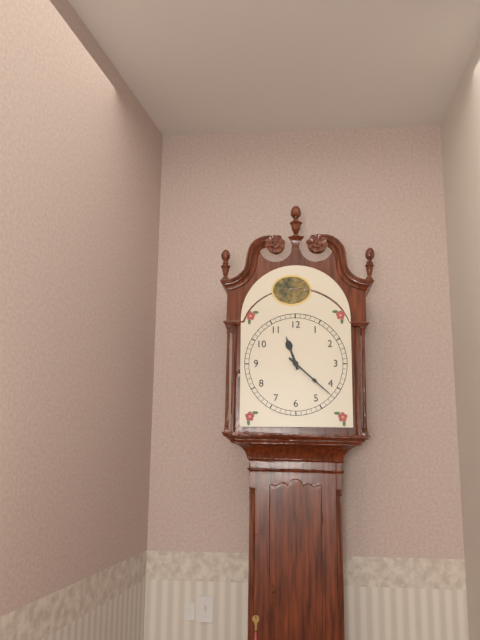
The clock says 11 h 22 min
